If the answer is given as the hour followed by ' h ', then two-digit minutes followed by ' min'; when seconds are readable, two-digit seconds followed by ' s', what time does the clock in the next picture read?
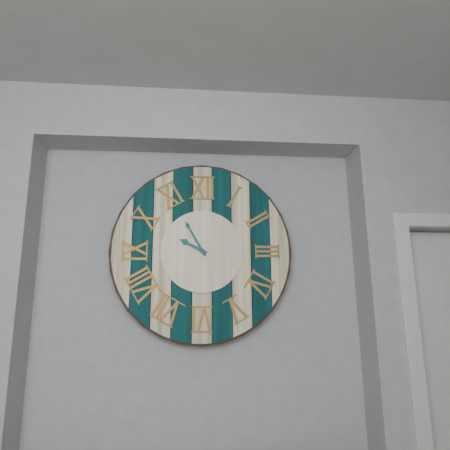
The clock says 9 h 55 min
